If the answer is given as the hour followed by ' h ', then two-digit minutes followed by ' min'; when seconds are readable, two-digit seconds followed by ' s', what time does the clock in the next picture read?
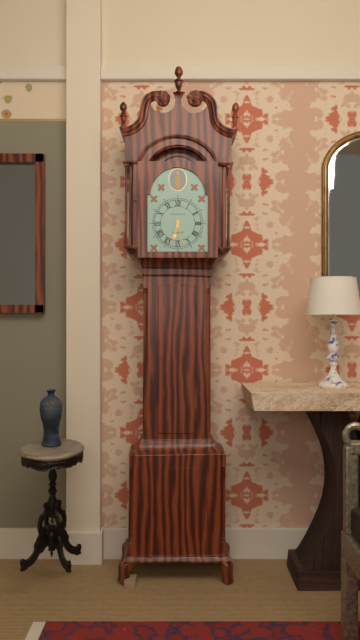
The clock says 6 h 28 min
